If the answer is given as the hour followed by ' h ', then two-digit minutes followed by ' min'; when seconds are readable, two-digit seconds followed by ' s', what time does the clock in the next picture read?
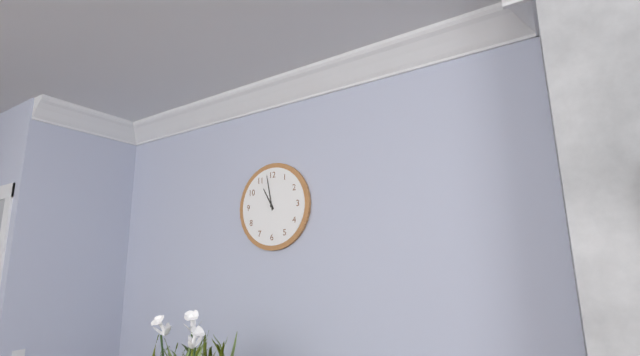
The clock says 10 h 58 min
